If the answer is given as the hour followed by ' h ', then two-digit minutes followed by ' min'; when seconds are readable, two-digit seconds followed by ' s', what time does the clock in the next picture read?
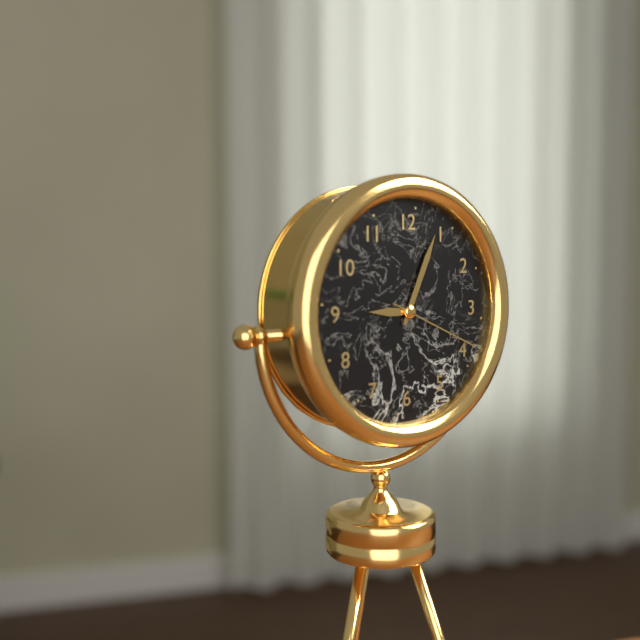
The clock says 9 h 04 min 19 s
